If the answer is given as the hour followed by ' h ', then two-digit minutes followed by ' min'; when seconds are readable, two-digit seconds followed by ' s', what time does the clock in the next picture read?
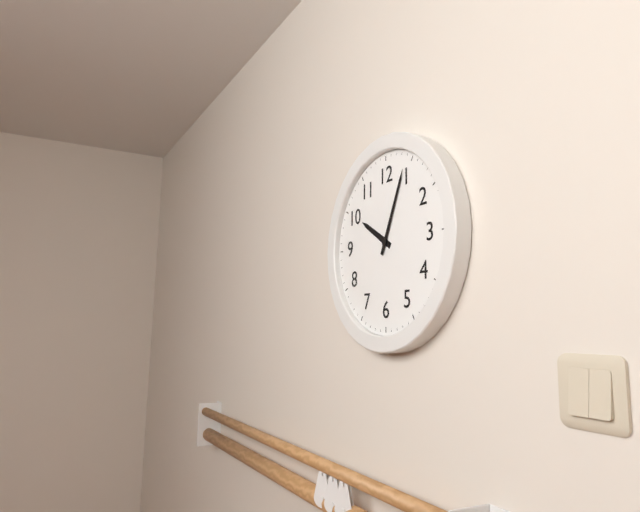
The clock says 10 h 04 min
